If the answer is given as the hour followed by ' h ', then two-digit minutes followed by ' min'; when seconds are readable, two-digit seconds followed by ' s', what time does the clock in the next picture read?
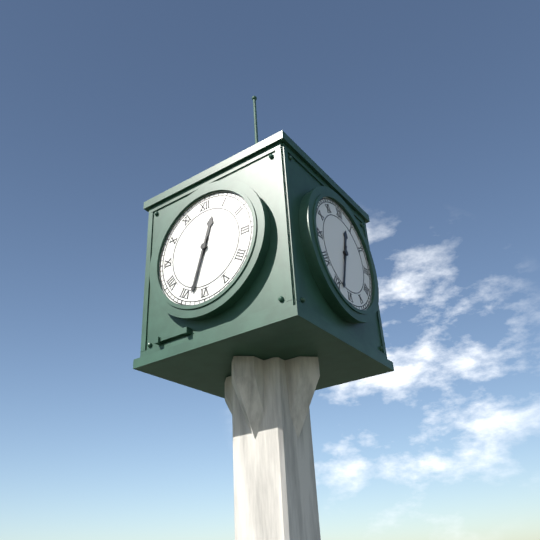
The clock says 12 h 33 min
